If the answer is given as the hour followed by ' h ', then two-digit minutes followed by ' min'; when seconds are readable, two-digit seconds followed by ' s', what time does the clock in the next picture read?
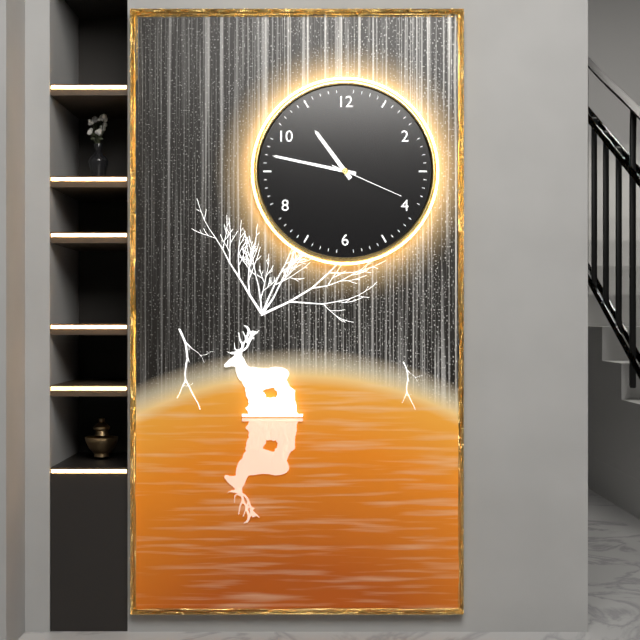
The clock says 10 h 47 min 19 s
